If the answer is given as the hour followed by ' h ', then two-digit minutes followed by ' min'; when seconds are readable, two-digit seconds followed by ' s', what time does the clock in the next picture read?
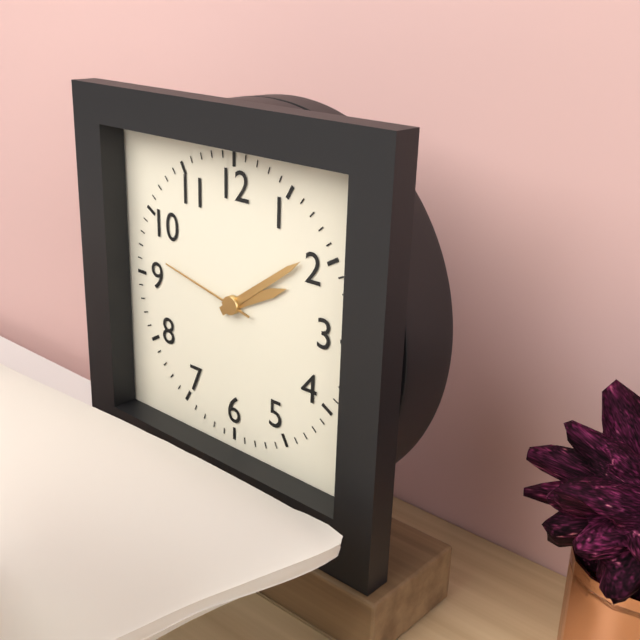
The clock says 2 h 09 min 47 s
